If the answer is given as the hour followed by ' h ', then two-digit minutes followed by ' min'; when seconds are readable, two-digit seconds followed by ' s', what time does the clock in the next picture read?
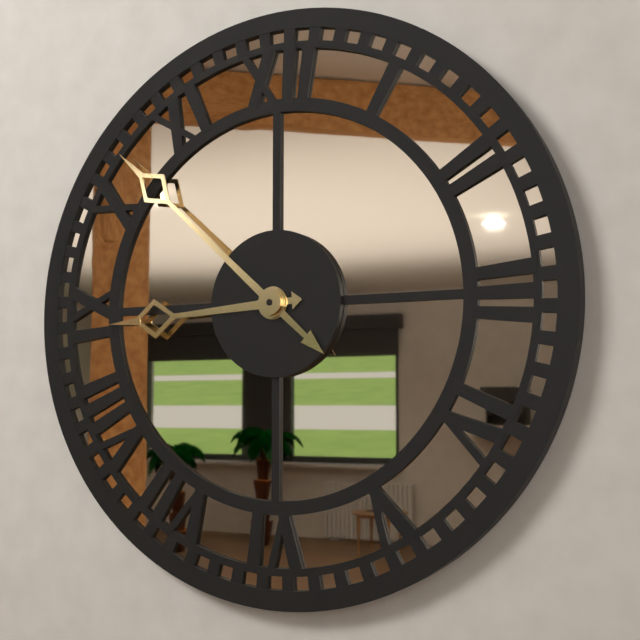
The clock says 8 h 52 min
